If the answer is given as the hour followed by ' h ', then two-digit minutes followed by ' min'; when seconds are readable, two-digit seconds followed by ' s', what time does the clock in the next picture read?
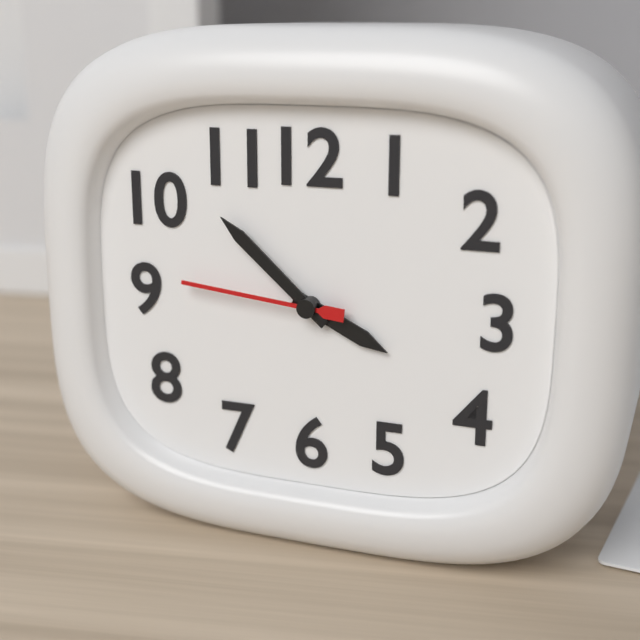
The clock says 3 h 52 min 46 s
